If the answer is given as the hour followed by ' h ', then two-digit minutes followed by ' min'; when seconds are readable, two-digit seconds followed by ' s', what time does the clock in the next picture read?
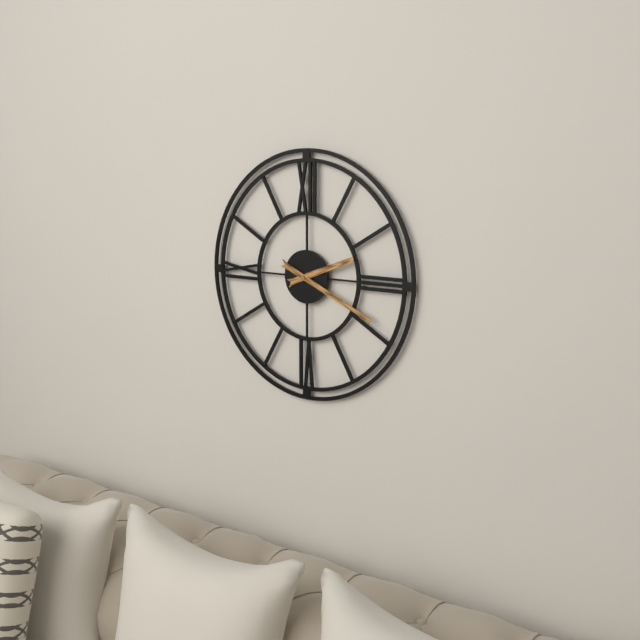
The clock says 2 h 19 min
